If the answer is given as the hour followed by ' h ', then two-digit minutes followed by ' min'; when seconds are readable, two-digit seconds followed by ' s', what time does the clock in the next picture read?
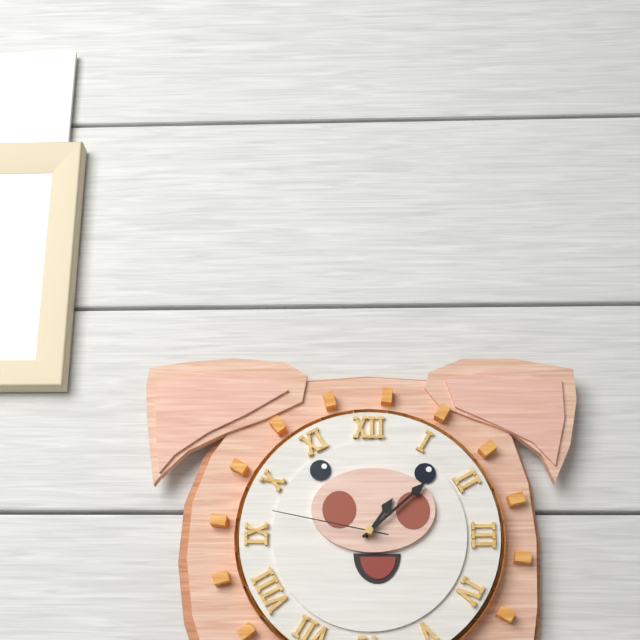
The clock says 1 h 08 min 47 s
